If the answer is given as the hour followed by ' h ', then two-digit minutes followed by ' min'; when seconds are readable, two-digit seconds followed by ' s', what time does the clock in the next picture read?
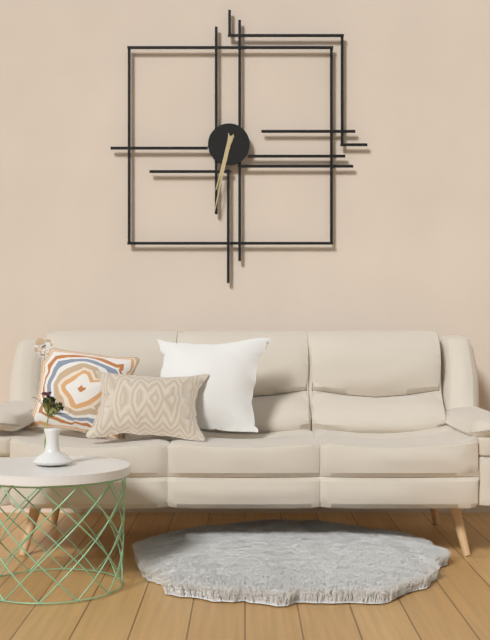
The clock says 6 h 32 min
